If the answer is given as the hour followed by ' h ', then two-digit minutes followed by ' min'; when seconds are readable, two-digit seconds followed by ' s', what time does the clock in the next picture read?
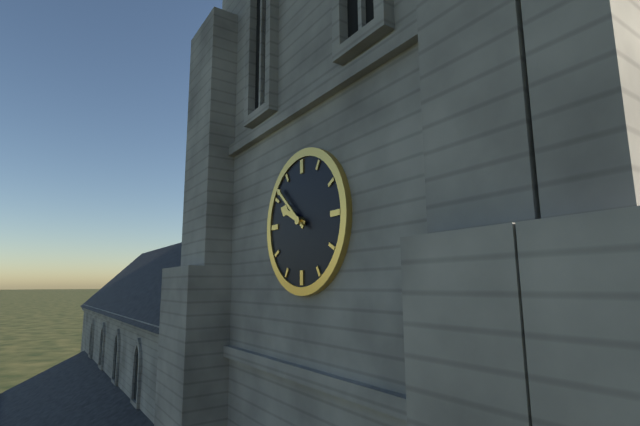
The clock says 9 h 52 min
